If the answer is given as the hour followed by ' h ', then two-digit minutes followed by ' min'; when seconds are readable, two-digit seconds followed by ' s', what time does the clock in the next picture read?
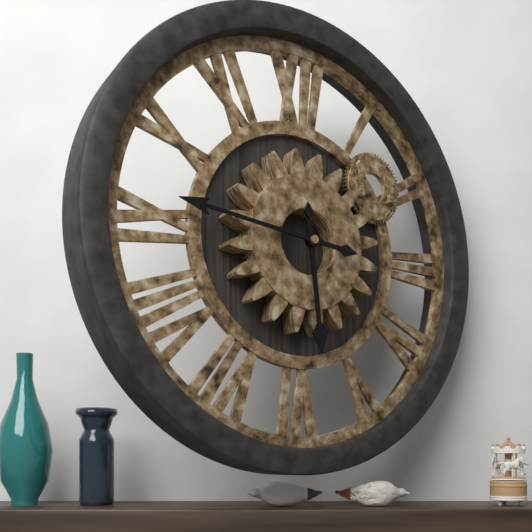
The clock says 5 h 46 min
